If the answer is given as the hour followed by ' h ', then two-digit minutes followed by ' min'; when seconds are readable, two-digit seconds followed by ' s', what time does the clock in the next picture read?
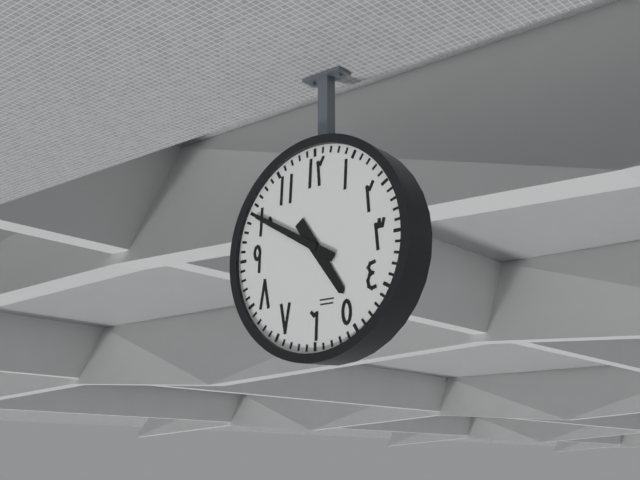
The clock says 4 h 50 min
